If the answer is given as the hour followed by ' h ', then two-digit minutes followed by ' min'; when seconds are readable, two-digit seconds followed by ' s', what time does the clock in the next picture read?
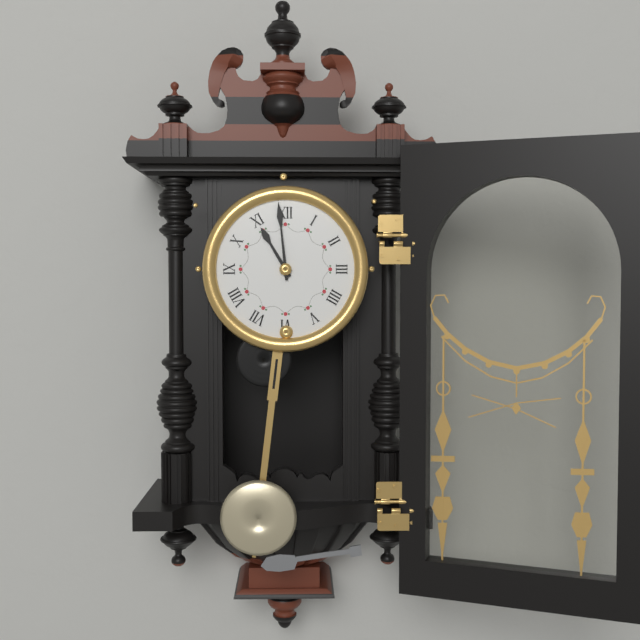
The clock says 10 h 59 min
